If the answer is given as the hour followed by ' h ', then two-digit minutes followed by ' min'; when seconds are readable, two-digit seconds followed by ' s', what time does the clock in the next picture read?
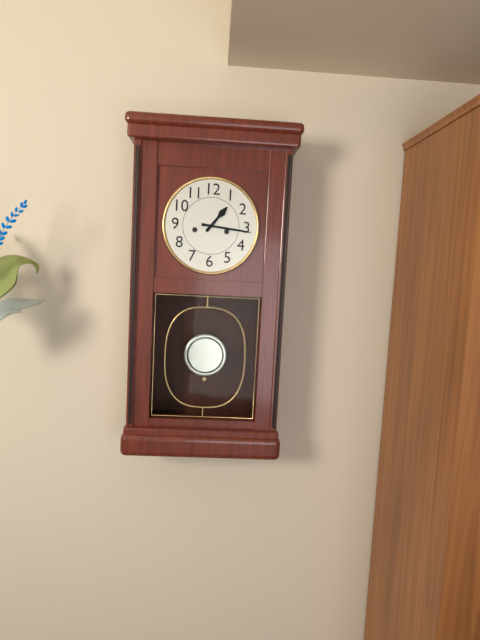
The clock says 1 h 16 min
